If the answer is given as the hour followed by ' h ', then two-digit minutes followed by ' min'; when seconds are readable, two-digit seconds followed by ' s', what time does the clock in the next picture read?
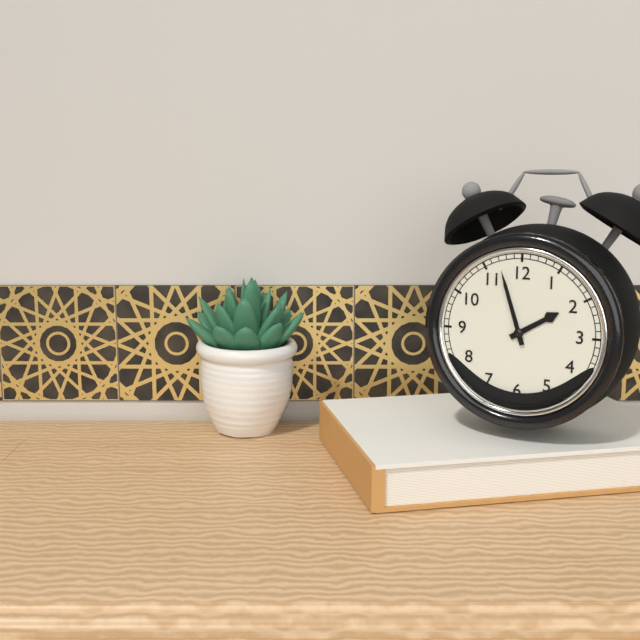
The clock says 1 h 57 min
